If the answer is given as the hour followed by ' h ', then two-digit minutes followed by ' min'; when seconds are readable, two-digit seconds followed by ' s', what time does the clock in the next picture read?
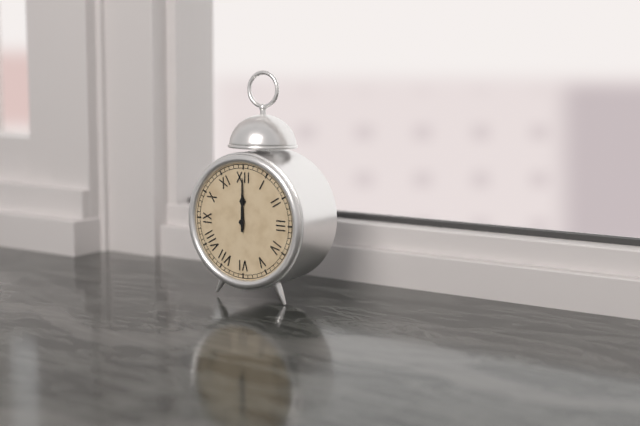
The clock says 12 h 00 min
